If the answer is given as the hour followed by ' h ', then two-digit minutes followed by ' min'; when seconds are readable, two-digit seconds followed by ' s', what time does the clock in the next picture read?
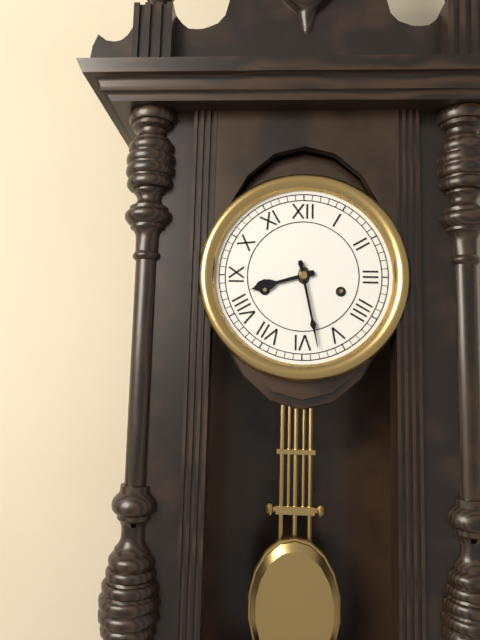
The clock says 8 h 28 min
